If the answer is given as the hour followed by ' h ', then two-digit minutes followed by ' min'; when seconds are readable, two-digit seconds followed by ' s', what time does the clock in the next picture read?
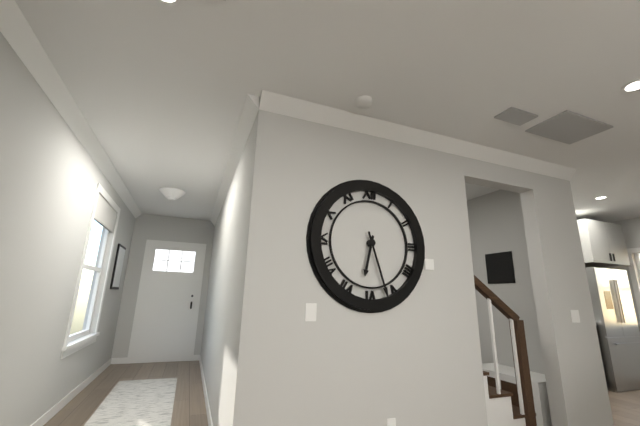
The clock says 6 h 27 min
